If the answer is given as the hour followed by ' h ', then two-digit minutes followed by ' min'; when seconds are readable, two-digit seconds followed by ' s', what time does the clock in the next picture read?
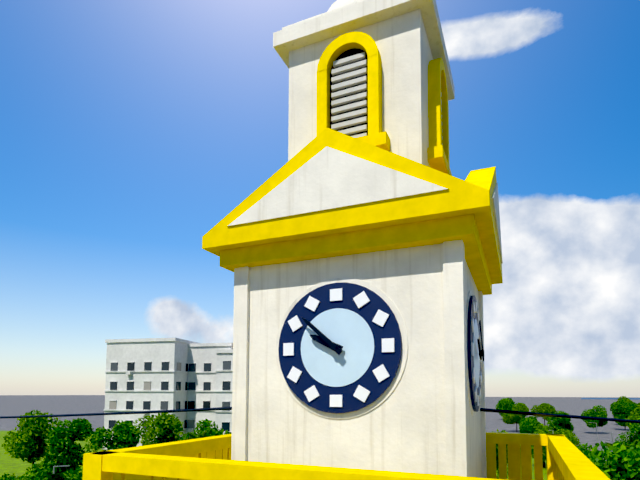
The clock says 9 h 52 min
